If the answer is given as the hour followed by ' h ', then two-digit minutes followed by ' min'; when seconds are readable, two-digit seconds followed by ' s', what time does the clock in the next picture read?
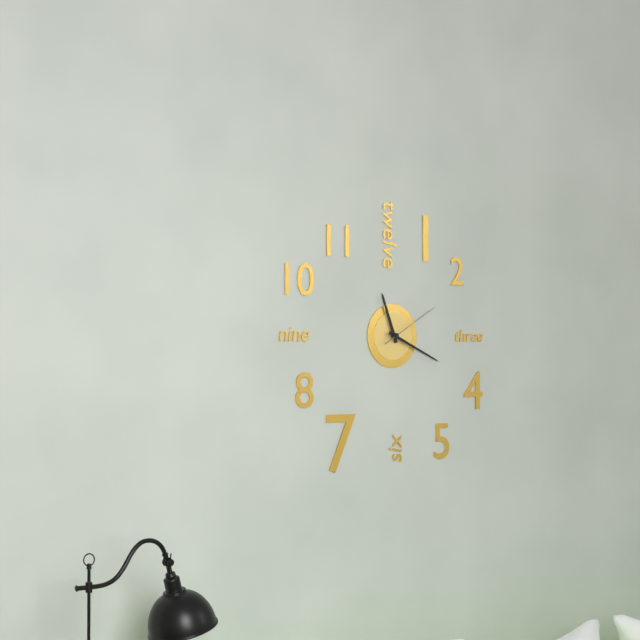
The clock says 11 h 19 min 10 s
